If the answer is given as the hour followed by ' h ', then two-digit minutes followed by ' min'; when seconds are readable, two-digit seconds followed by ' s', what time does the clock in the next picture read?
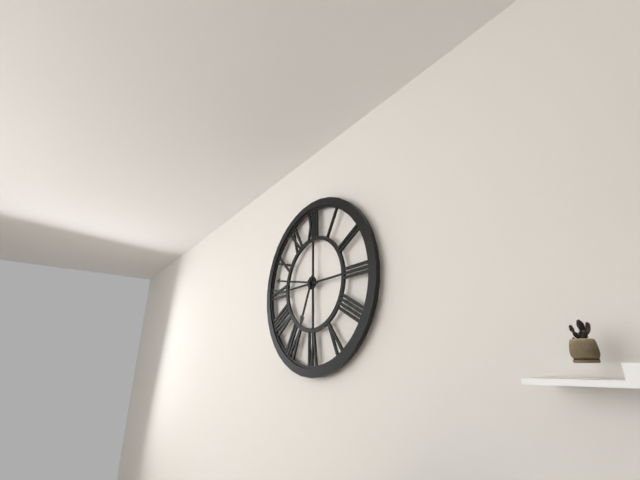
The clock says 6 h 47 min
